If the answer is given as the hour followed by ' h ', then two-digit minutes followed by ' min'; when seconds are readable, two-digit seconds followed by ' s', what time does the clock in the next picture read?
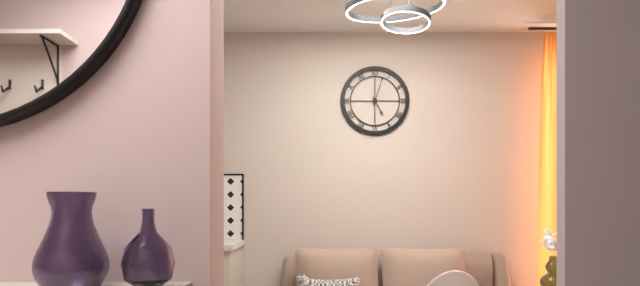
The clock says 5 h 03 min
